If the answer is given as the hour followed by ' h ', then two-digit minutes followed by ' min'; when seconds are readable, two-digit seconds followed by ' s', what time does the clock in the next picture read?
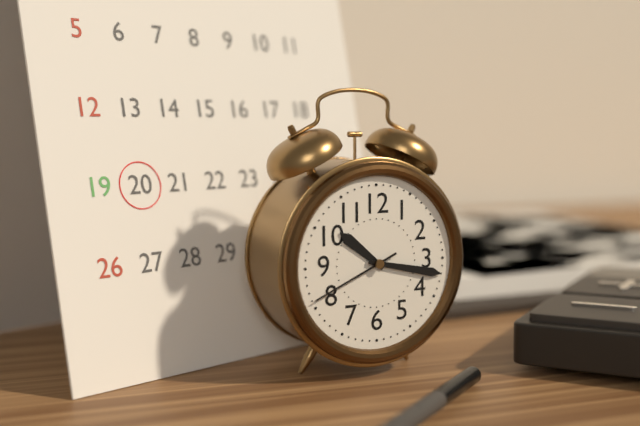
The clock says 10 h 17 min 41 s
